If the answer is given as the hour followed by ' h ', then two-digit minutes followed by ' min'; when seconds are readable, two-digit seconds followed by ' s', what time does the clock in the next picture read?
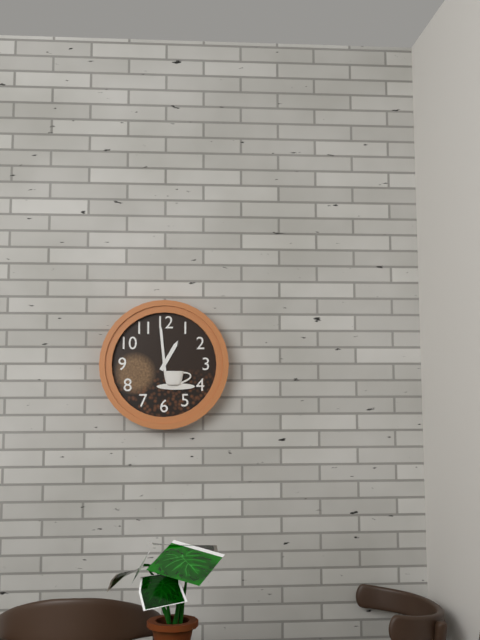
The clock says 12 h 59 min
